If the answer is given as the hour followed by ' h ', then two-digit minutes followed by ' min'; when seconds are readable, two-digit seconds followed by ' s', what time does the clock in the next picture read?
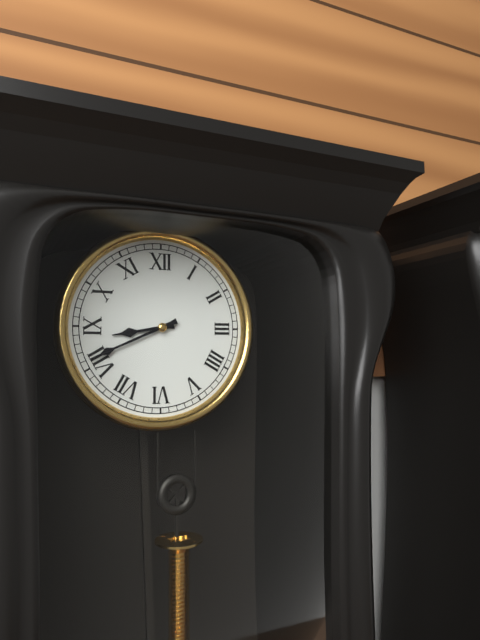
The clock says 8 h 41 min
